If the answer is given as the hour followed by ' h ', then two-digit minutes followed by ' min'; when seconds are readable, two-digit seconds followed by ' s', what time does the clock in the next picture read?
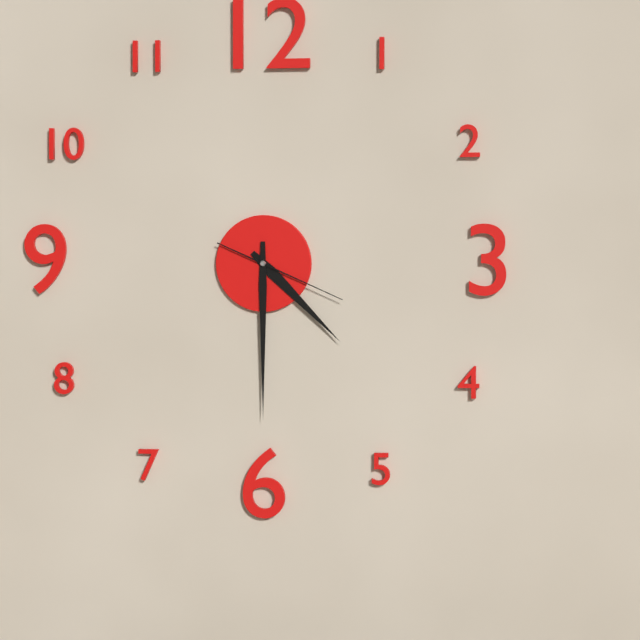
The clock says 4 h 30 min 19 s
